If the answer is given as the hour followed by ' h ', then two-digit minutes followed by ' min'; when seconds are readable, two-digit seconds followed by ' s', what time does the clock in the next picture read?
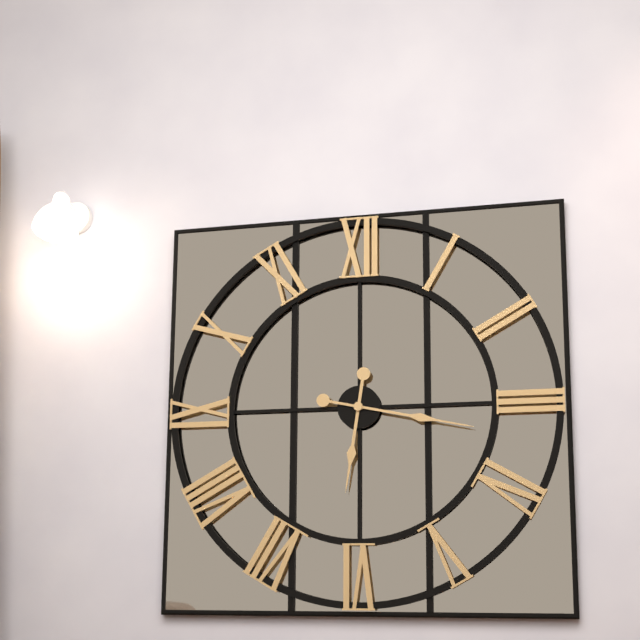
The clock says 6 h 17 min
